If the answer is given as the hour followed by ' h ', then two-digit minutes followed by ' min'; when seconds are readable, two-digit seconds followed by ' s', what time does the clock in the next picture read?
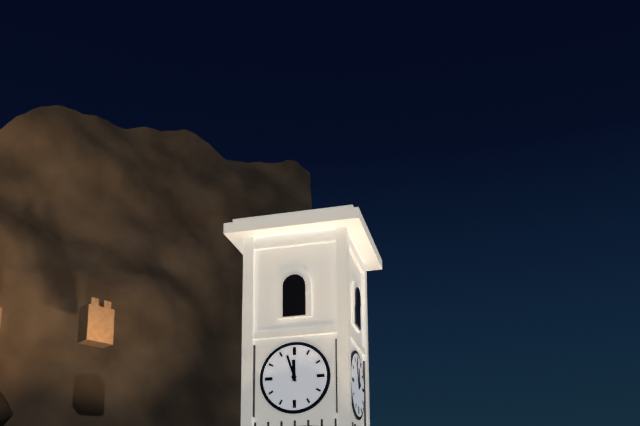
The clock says 11 h 57 min
